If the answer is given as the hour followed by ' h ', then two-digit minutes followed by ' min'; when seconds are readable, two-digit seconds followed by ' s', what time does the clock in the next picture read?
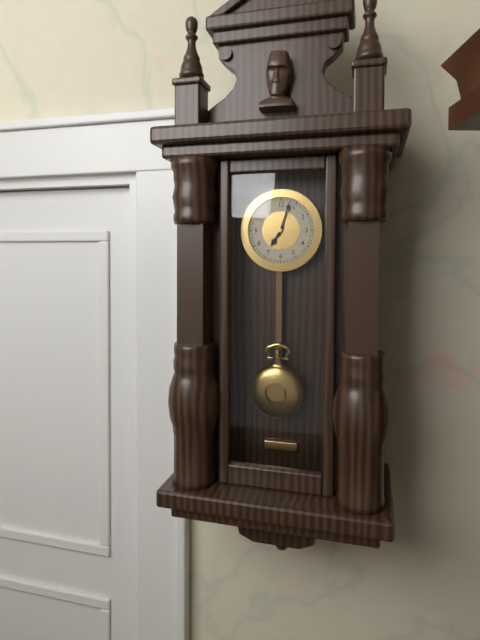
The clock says 7 h 03 min
